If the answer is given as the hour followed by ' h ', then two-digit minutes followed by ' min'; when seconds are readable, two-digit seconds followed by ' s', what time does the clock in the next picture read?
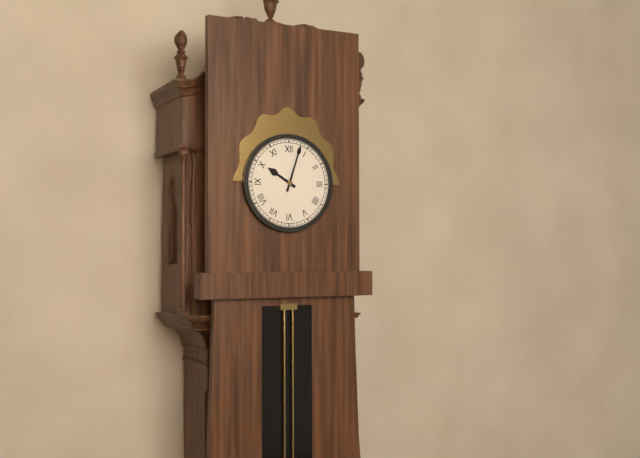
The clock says 10 h 03 min
